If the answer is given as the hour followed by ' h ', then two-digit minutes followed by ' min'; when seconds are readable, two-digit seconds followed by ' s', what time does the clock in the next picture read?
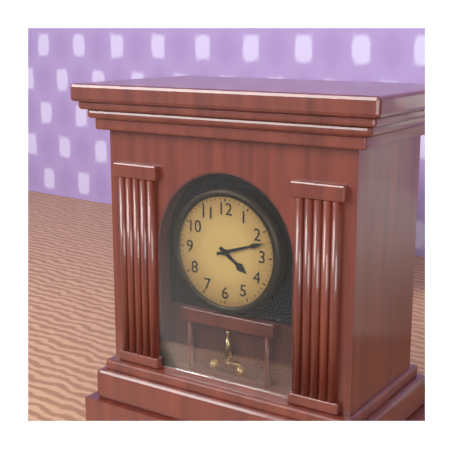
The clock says 4 h 12 min
